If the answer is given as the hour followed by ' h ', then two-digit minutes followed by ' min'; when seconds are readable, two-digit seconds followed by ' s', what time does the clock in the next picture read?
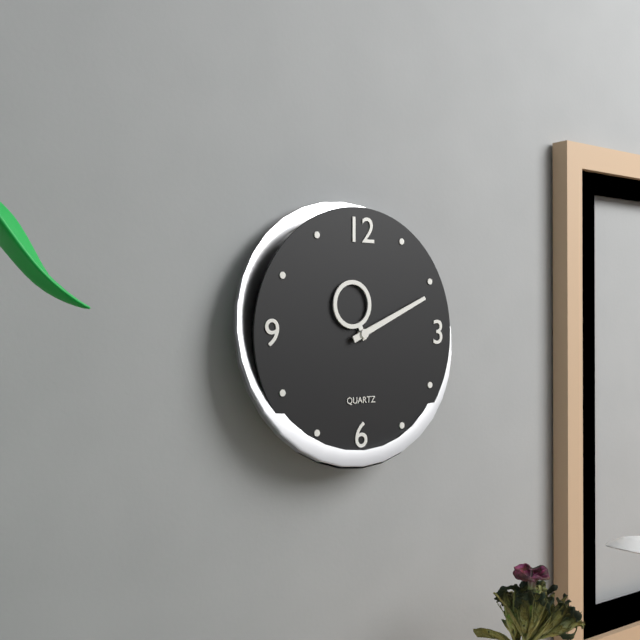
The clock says 11 h 11 min
